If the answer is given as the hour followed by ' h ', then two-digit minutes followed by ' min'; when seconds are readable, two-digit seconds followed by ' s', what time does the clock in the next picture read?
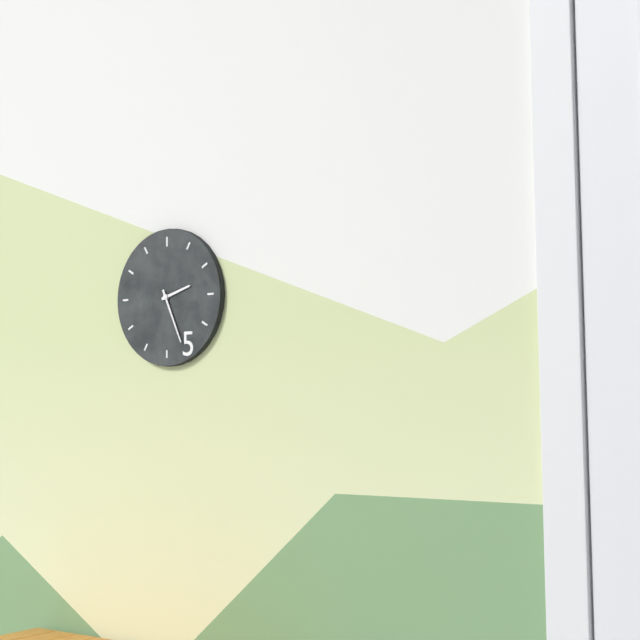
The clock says 2 h 26 min
